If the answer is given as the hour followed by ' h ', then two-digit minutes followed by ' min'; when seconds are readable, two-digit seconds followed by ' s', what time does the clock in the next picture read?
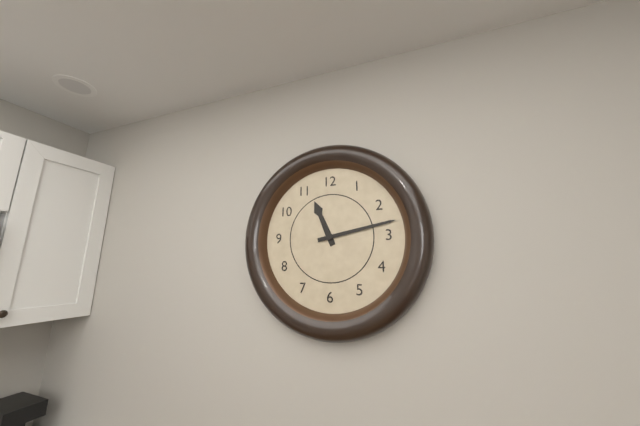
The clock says 11 h 13 min
